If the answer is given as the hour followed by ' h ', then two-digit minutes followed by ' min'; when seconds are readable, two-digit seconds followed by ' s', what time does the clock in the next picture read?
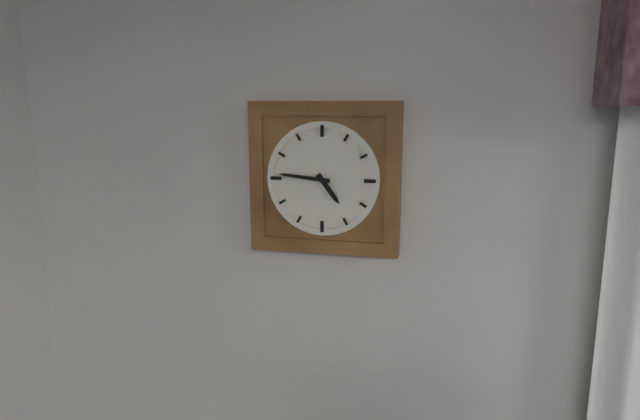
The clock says 4 h 46 min
